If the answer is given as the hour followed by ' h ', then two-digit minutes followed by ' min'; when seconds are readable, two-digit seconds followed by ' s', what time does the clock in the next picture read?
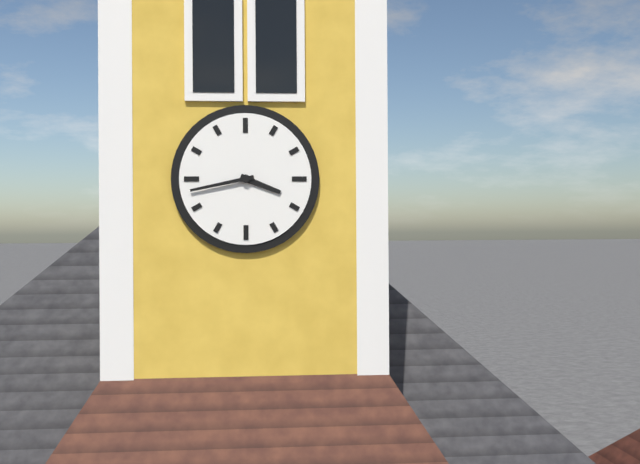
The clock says 3 h 43 min
